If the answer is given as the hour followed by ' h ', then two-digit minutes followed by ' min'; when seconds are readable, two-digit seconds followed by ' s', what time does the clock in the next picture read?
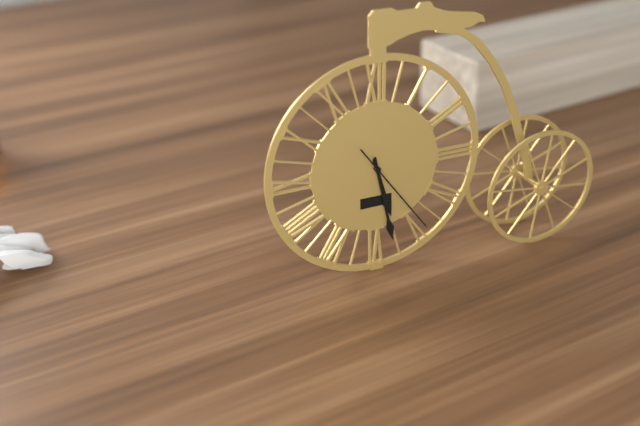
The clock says 5 h 28 min 24 s
